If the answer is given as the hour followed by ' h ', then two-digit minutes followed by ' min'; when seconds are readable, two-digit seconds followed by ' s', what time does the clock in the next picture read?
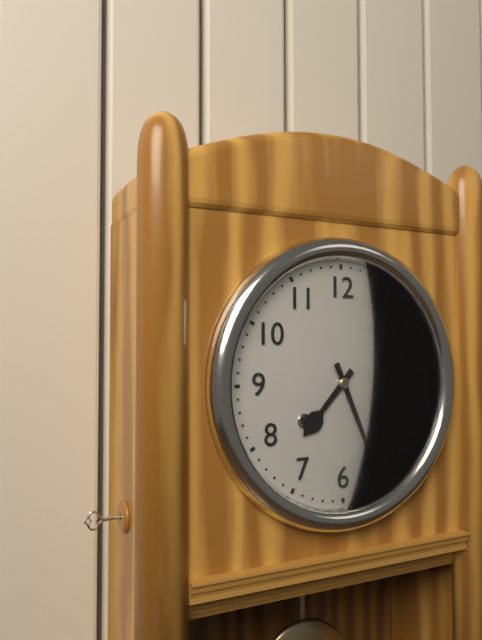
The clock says 7 h 26 min
